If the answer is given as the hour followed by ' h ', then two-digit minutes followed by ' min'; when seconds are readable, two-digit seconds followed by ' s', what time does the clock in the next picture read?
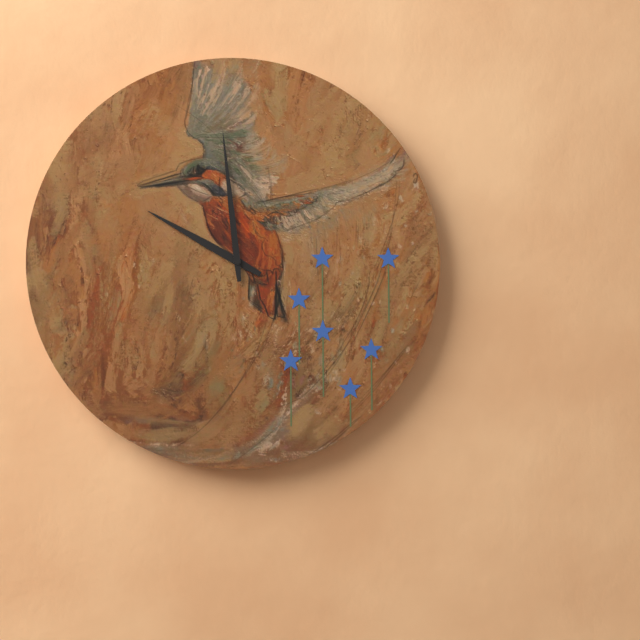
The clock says 9 h 59 min
